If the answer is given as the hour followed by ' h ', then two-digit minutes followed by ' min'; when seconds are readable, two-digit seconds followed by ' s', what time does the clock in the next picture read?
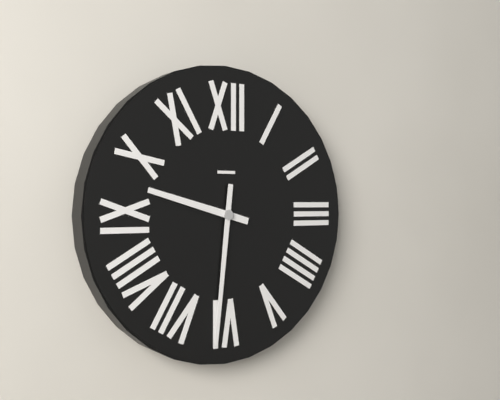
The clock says 9 h 31 min
